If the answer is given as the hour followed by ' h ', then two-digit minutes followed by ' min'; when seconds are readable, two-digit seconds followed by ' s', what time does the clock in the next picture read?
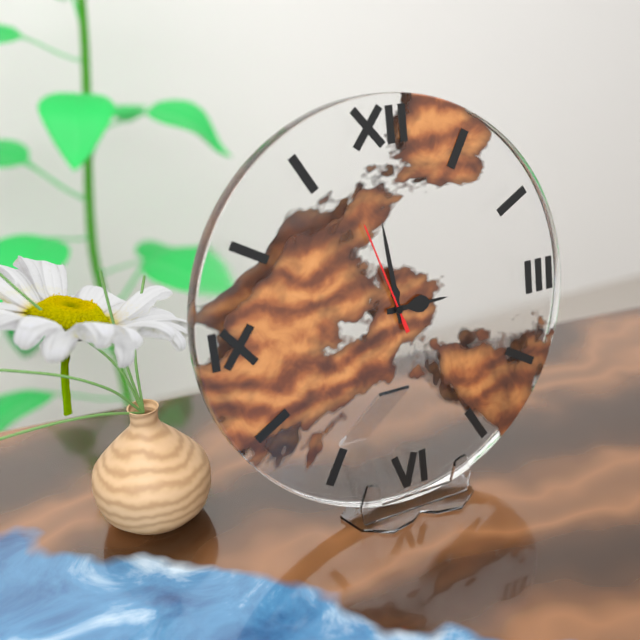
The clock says 2 h 59 min 57 s
